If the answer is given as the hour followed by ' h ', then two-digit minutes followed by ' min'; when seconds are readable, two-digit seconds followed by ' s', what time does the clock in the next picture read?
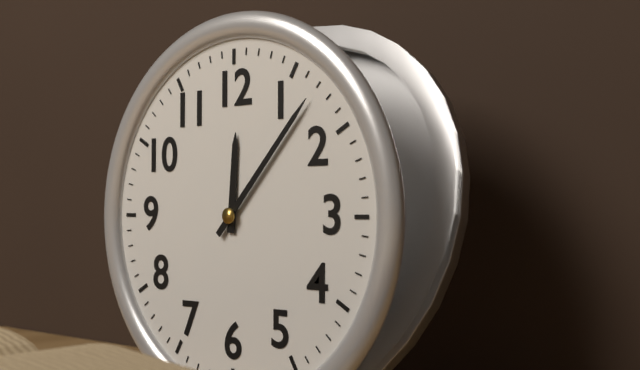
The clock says 12 h 07 min
